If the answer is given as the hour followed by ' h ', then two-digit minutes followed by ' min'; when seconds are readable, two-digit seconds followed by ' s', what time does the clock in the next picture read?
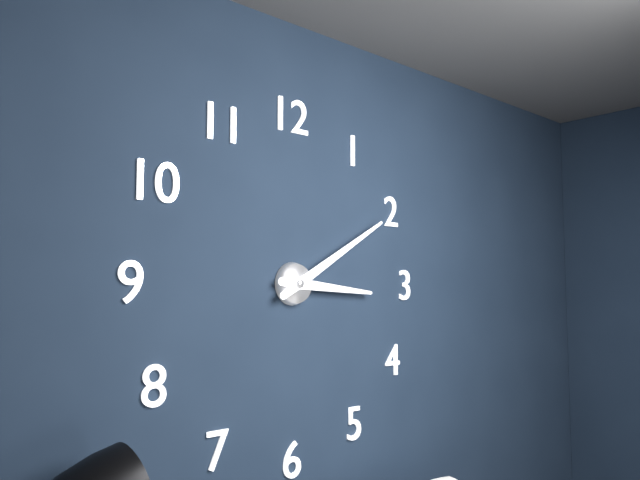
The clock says 3 h 10 min
